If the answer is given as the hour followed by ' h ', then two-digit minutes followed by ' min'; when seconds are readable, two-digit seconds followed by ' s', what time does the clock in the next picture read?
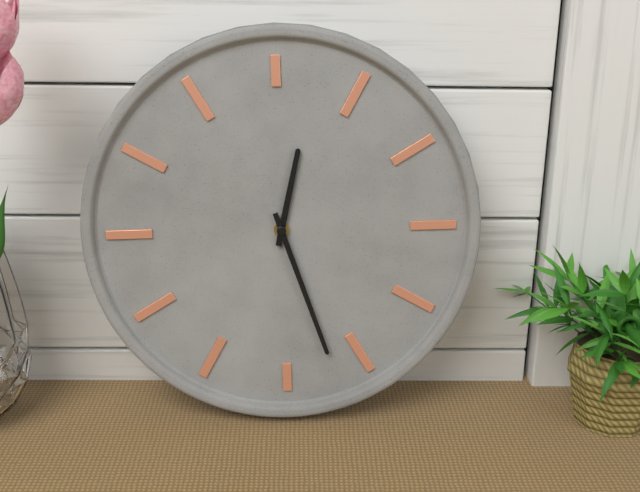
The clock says 12 h 27 min
